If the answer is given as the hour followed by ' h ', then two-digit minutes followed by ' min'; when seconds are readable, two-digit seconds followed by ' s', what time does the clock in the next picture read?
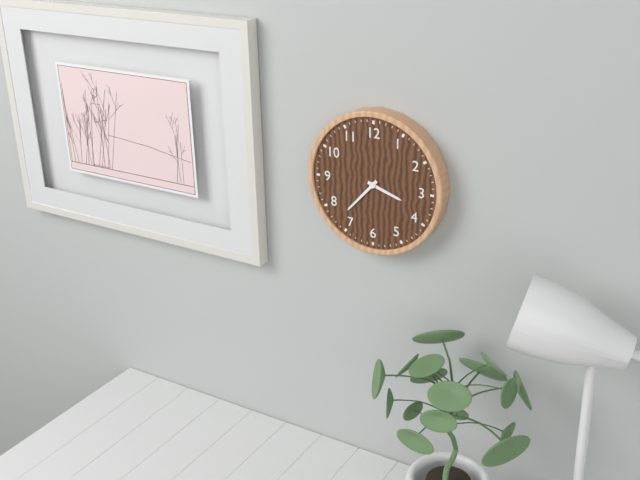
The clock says 3 h 37 min
